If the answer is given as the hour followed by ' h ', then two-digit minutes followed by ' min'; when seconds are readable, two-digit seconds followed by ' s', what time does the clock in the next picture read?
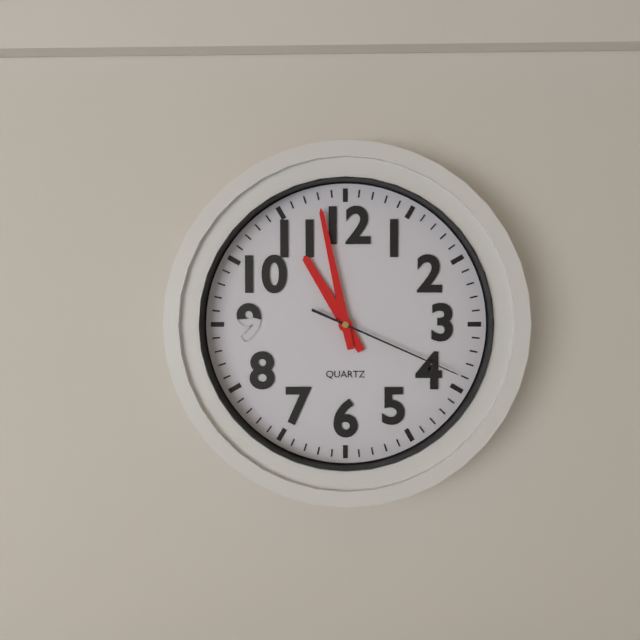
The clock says 10 h 58 min 19 s
